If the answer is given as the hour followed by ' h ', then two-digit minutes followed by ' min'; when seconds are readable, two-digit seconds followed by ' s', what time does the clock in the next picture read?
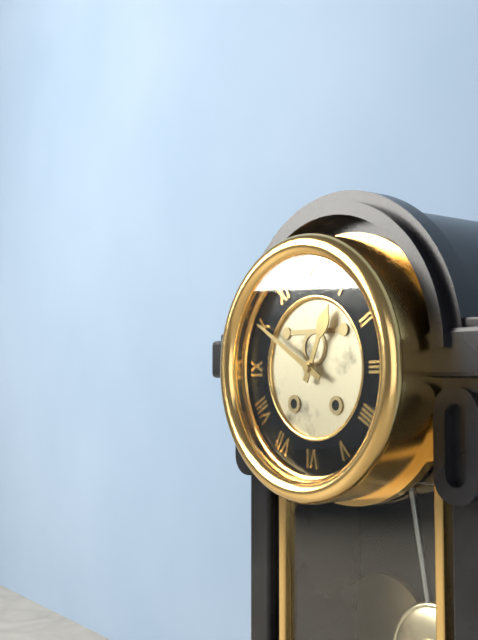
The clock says 12 h 50 min
